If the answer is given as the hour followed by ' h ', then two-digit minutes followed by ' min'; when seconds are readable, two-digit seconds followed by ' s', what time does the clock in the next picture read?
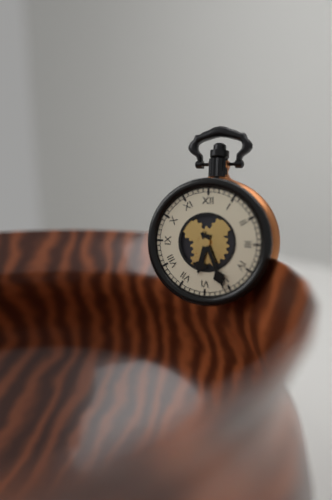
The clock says 6 h 26 min
